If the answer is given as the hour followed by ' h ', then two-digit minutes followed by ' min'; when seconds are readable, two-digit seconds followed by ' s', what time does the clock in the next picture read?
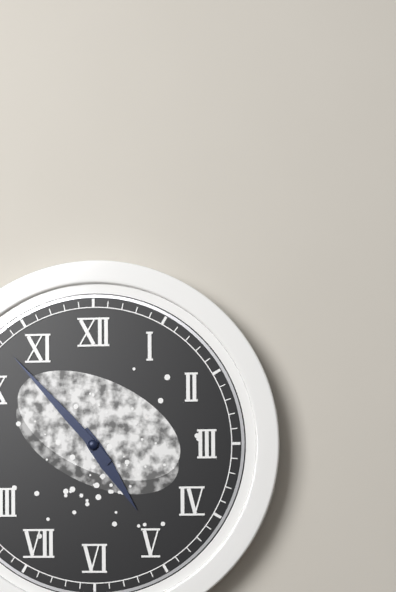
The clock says 4 h 53 min
